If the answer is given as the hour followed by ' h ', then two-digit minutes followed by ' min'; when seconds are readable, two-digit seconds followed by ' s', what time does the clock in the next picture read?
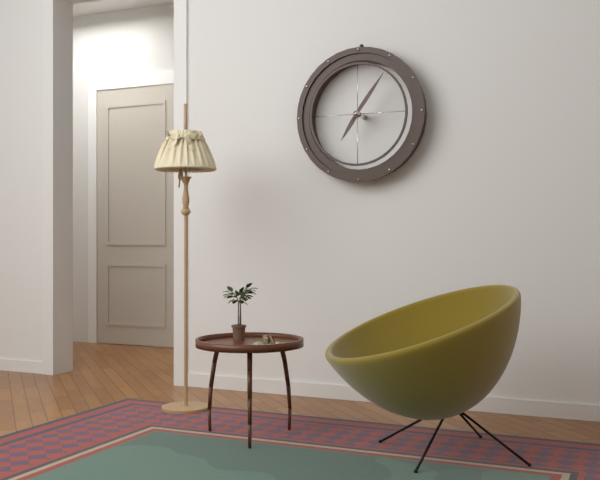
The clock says 7 h 06 min
